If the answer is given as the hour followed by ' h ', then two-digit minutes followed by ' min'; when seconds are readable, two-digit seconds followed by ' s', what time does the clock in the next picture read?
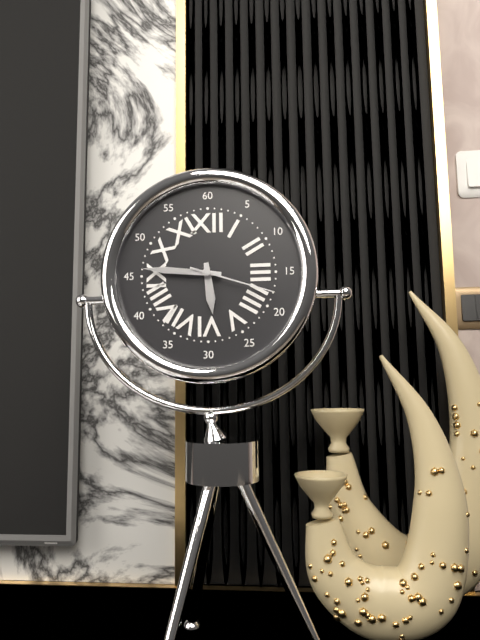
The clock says 5 h 46 min 18 s
